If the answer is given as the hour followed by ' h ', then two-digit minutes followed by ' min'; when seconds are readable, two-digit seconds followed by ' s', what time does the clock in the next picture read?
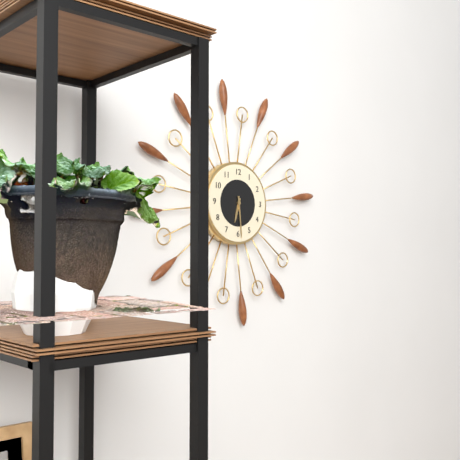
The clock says 6 h 29 min
